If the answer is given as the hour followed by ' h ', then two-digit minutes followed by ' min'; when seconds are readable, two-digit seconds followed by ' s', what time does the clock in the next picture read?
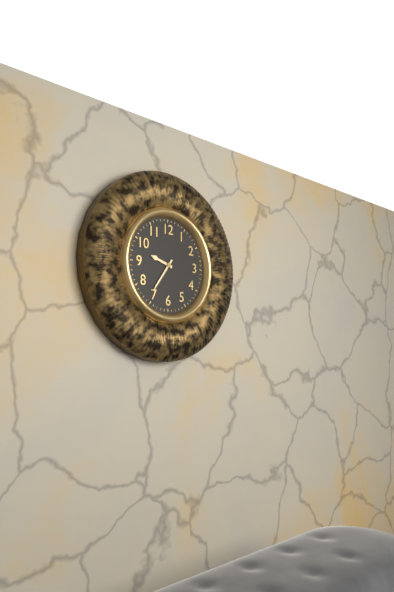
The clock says 9 h 36 min
